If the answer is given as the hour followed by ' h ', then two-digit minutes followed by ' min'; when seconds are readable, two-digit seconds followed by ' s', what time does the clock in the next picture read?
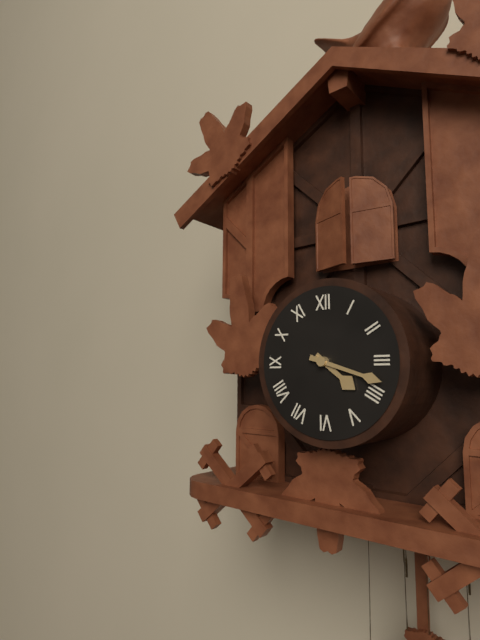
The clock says 4 h 18 min
